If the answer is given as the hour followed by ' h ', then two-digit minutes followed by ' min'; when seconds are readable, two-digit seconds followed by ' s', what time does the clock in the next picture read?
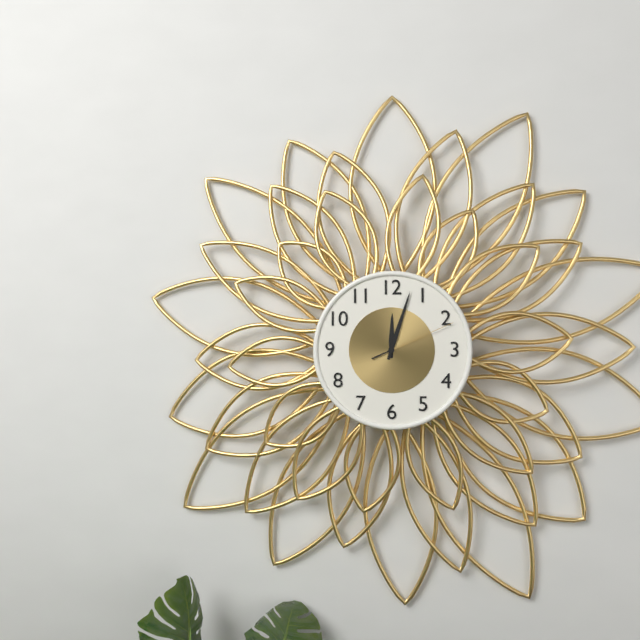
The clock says 12 h 03 min 11 s
